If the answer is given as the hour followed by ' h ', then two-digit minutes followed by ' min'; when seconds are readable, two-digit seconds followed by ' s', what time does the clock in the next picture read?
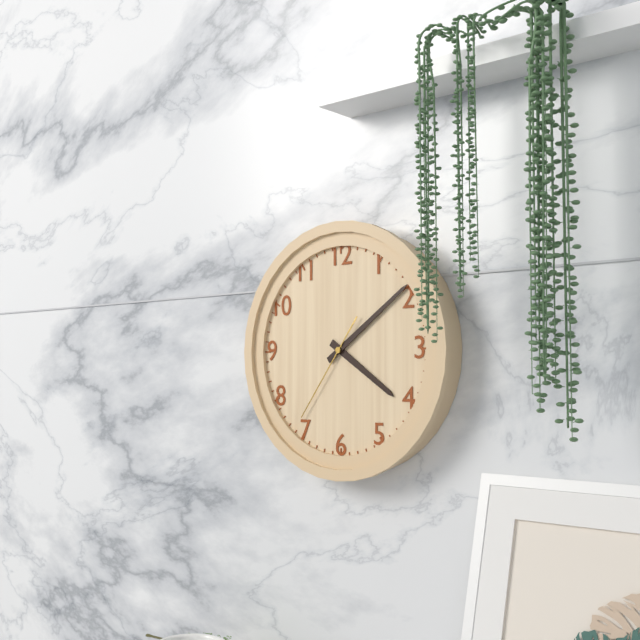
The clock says 4 h 09 min 36 s
